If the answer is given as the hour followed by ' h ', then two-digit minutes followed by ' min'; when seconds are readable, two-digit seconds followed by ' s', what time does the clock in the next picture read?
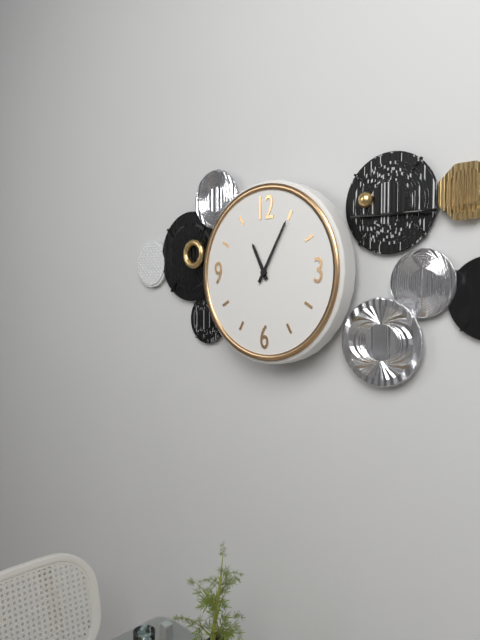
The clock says 11 h 05 min
